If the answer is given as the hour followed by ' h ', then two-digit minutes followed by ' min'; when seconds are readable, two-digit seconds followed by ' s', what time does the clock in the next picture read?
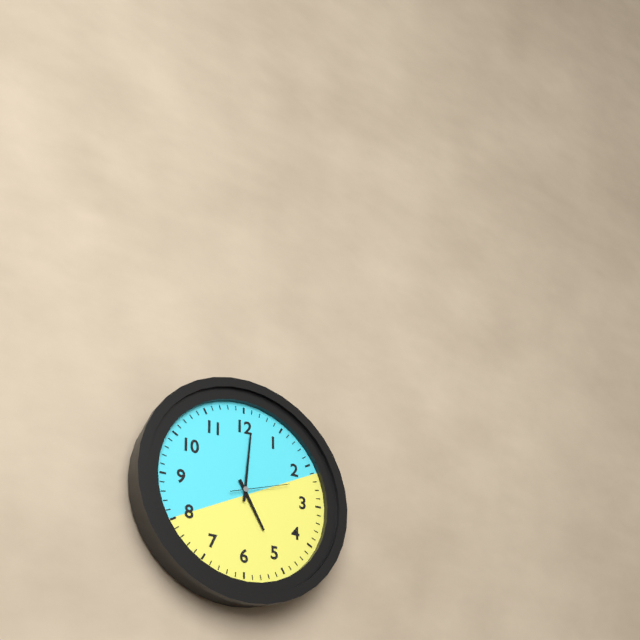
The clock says 5 h 01 min 12 s
